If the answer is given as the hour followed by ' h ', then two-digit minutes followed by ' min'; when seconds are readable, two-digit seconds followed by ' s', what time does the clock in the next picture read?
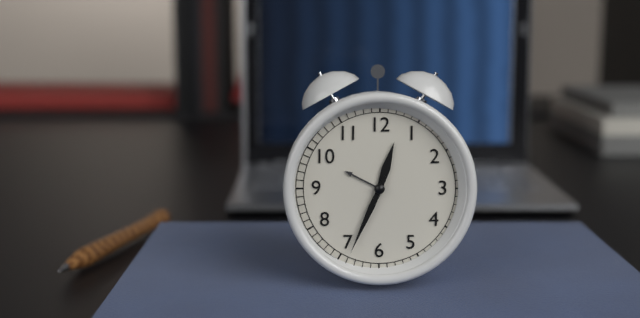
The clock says 12 h 34 min
